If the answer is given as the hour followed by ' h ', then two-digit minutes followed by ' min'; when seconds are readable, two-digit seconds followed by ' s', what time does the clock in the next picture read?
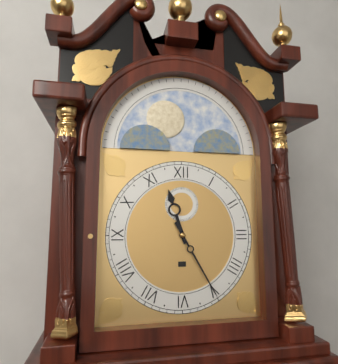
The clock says 11 h 25 min
